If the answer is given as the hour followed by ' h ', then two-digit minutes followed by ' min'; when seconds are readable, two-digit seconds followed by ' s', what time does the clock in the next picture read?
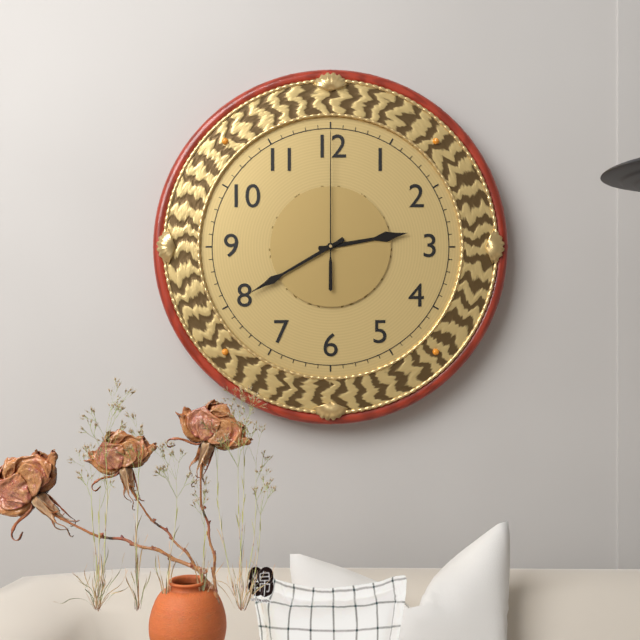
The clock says 2 h 40 min 00 s
